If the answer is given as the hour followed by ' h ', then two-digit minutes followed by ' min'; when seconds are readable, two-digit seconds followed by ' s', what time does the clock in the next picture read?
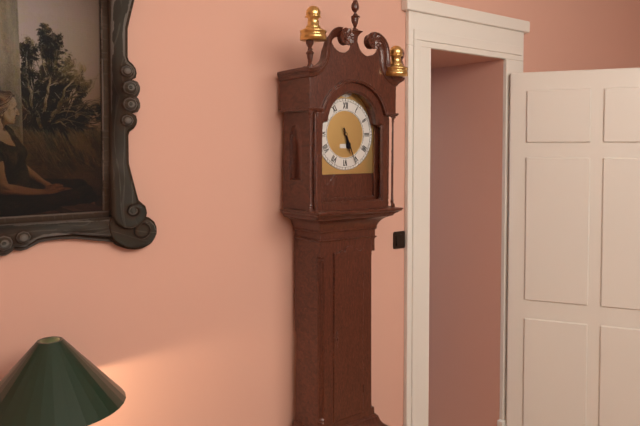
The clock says 5 h 26 min
